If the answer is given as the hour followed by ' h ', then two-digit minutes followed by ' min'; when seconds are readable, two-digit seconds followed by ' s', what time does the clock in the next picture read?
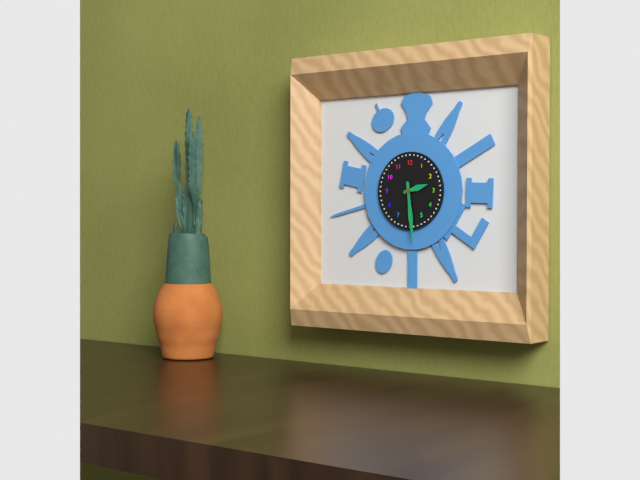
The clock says 2 h 29 min
